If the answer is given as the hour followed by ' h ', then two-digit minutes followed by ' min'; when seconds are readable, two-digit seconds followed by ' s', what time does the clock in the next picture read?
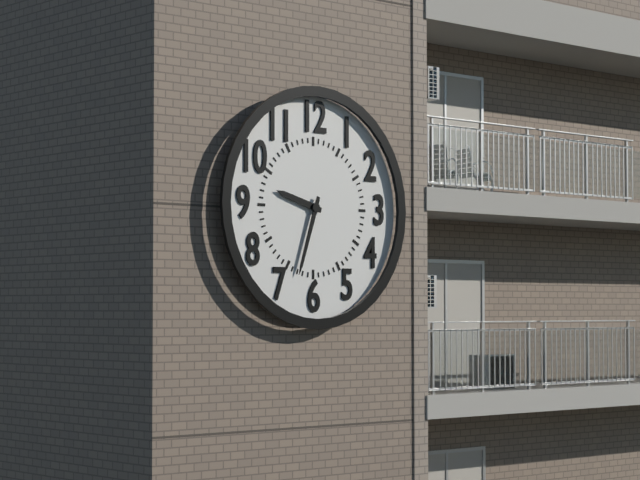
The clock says 9 h 33 min
